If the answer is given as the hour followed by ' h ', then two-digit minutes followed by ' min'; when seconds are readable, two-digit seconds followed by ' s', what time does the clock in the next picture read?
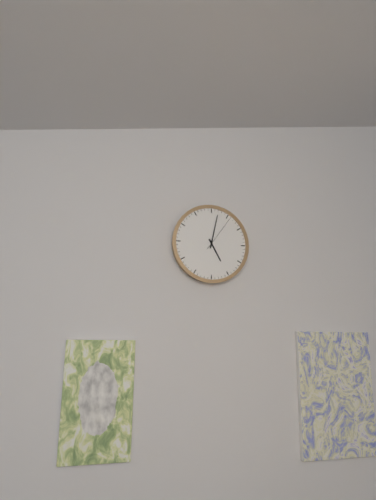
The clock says 5 h 02 min
